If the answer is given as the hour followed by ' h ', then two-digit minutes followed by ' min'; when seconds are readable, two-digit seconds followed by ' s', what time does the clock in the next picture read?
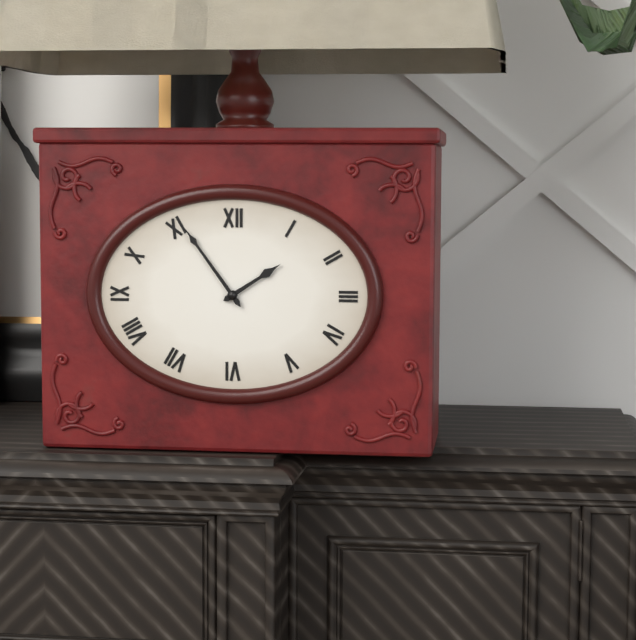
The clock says 1 h 54 min
